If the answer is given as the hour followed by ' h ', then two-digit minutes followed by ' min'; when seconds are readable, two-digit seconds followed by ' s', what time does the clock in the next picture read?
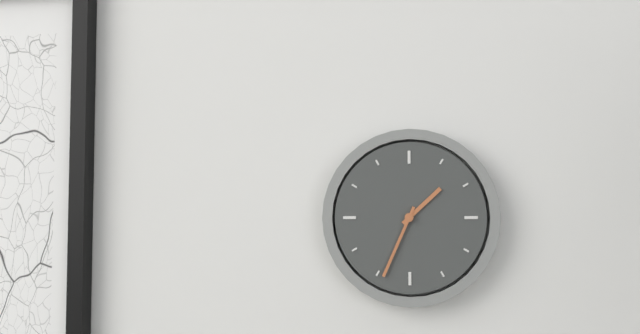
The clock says 1 h 34 min
